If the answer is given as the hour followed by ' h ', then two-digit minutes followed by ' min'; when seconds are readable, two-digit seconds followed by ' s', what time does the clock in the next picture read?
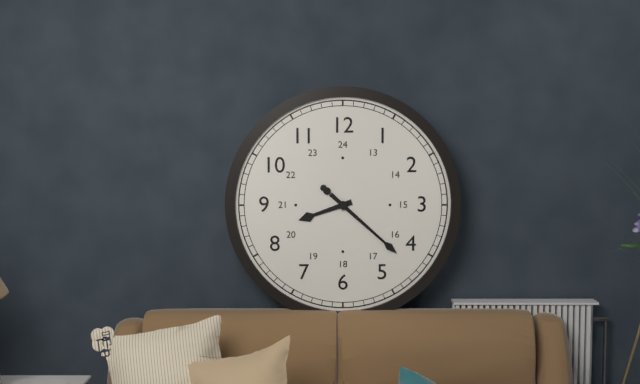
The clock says 8 h 22 min 22 s
